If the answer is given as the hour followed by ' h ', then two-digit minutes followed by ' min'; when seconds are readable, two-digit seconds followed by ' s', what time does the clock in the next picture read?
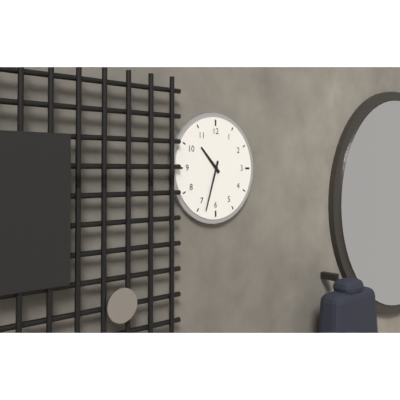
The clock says 10 h 33 min
